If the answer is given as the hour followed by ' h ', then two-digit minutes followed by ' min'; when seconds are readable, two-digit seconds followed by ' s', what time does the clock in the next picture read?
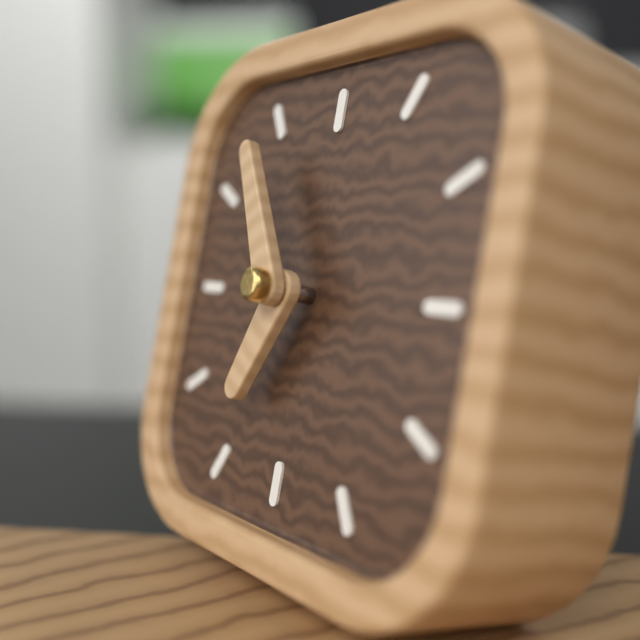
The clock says 6 h 55 min
